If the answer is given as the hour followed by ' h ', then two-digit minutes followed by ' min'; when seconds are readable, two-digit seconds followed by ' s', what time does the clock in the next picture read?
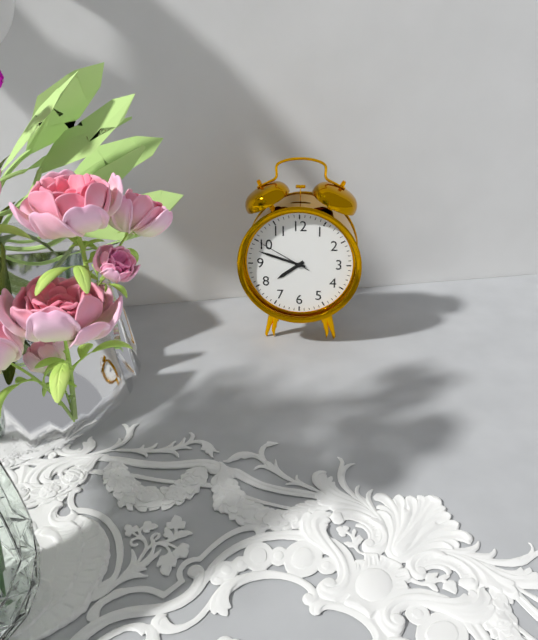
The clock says 7 h 48 min 50 s
